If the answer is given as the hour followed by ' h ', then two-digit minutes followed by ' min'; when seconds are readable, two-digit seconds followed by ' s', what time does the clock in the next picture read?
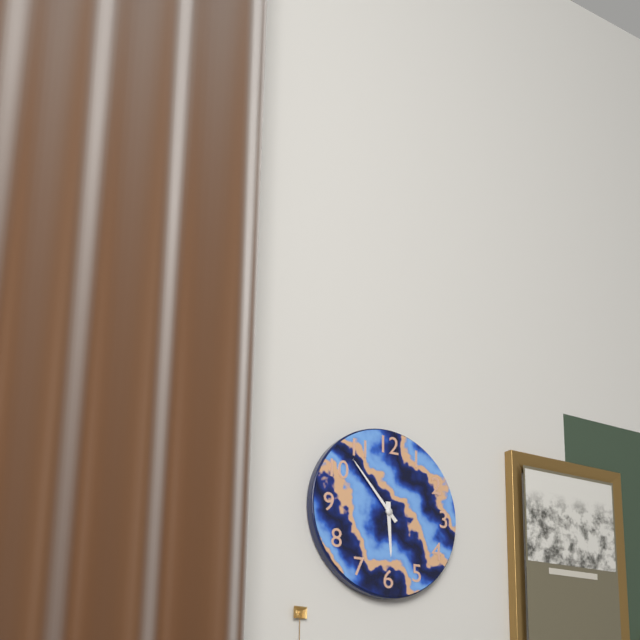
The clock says 5 h 53 min
